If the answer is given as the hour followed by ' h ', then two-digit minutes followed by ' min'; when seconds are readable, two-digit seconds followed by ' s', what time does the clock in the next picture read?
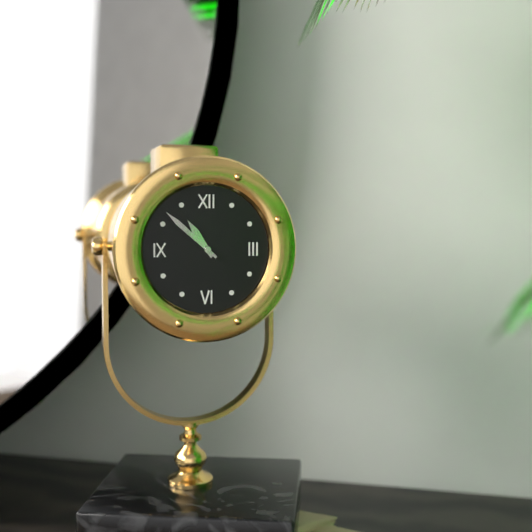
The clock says 10 h 52 min
